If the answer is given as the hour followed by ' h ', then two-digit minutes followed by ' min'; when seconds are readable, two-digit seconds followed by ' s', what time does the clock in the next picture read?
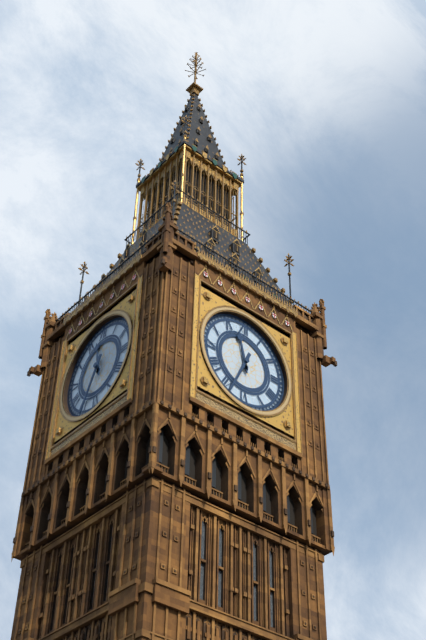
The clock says 11 h 34 min
